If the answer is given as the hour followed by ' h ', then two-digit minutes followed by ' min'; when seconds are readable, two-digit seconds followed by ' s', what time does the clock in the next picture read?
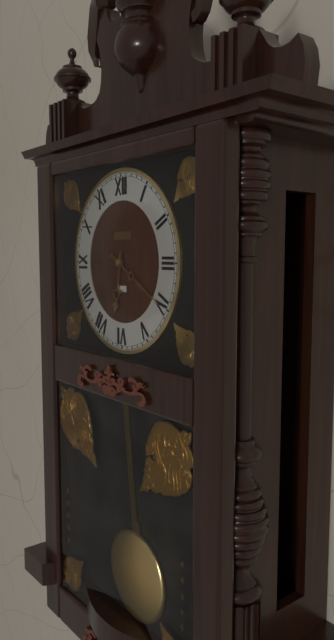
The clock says 6 h 20 min
